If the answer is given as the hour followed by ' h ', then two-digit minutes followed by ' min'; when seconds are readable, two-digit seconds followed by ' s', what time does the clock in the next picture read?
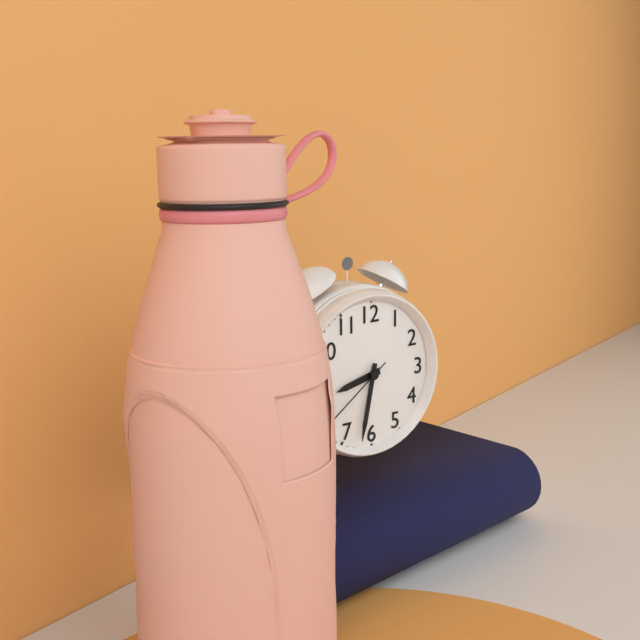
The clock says 8 h 32 min 39 s
